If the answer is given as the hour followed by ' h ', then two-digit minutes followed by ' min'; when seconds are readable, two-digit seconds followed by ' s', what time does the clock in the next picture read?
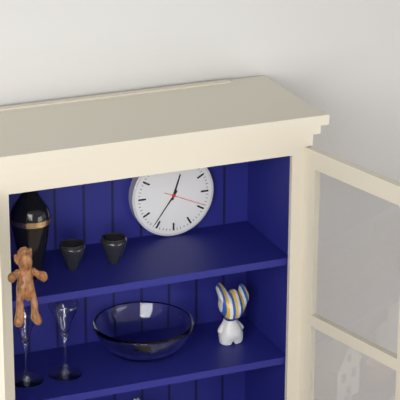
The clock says 12 h 36 min
